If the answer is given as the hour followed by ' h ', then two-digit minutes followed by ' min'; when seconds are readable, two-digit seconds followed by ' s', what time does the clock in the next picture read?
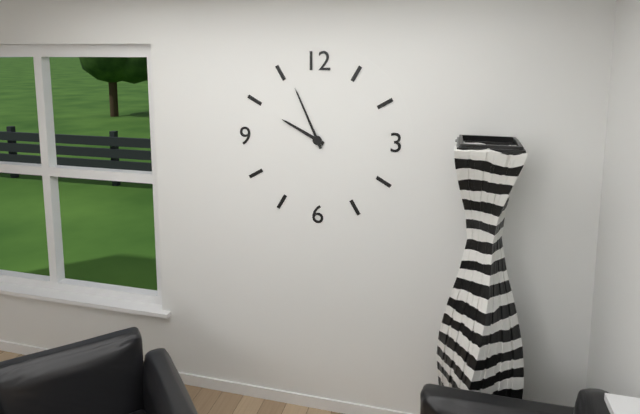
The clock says 9 h 56 min
